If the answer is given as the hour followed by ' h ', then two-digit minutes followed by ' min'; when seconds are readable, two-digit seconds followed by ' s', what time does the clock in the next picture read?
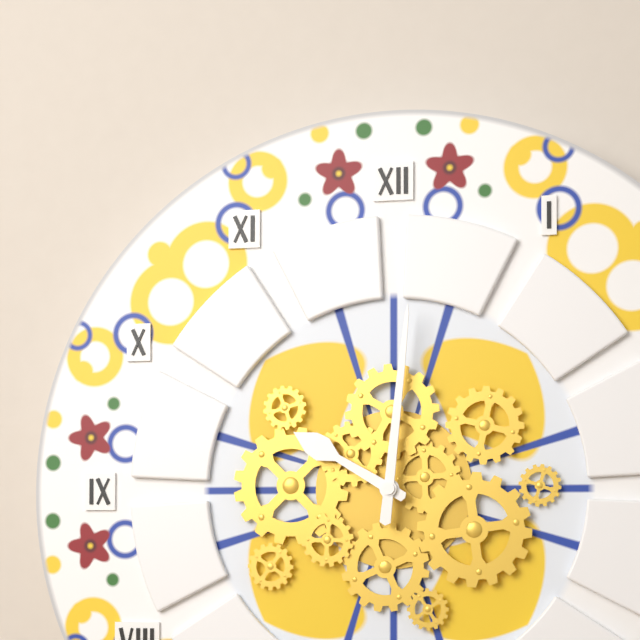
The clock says 10 h 01 min
